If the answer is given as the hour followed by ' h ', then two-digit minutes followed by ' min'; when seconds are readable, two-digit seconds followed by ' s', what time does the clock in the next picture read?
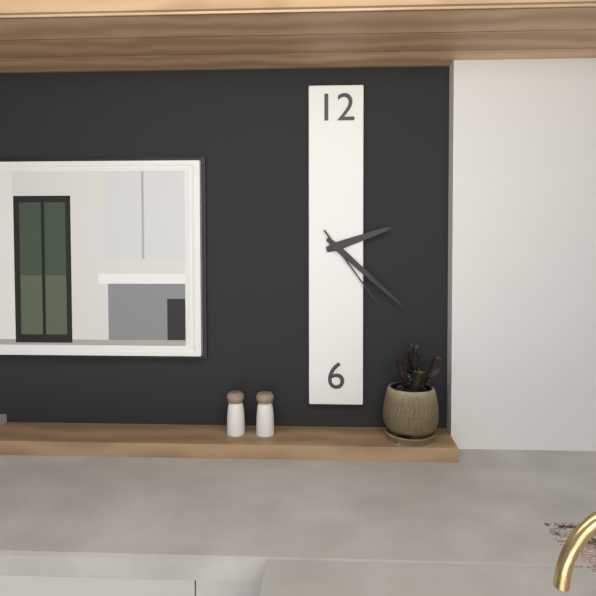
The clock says 2 h 22 min 24 s
